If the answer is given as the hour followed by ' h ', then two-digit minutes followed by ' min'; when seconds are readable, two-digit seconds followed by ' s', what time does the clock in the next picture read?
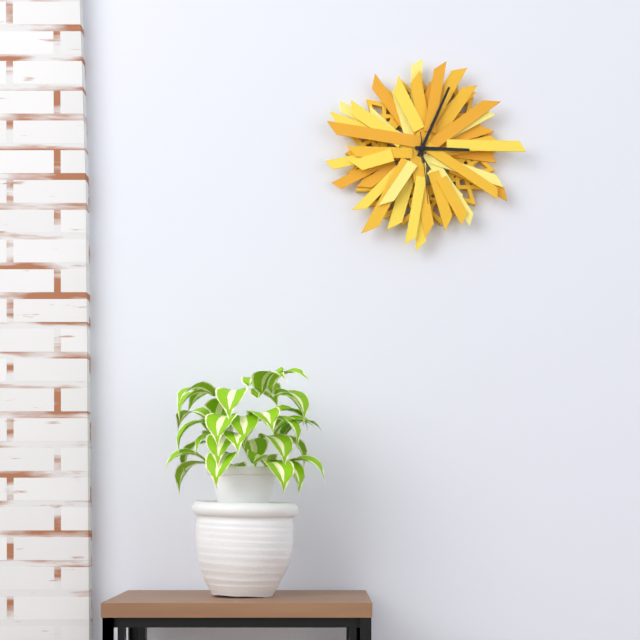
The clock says 3 h 04 min 29 s
